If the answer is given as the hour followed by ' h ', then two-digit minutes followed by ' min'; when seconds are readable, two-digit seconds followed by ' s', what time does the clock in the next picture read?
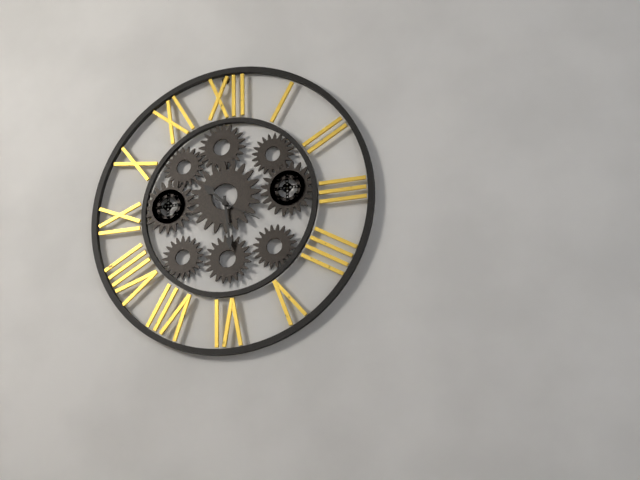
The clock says 10 h 29 min
